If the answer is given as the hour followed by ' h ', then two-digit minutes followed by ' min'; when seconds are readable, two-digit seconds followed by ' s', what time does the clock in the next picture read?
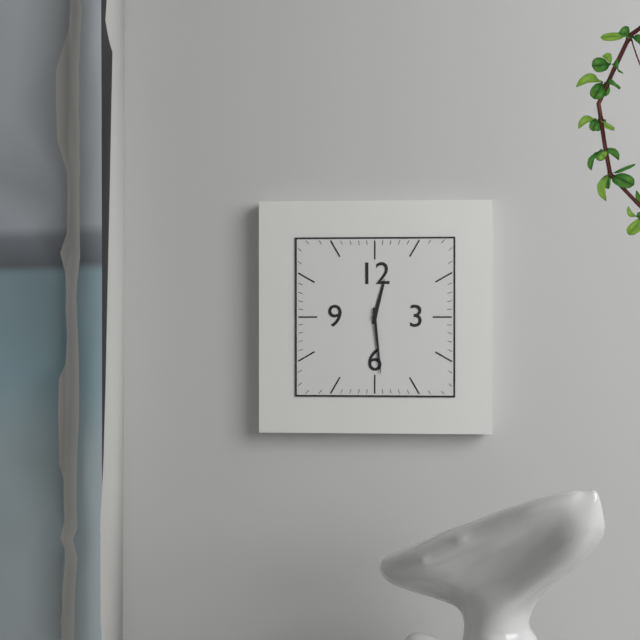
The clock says 12 h 29 min
